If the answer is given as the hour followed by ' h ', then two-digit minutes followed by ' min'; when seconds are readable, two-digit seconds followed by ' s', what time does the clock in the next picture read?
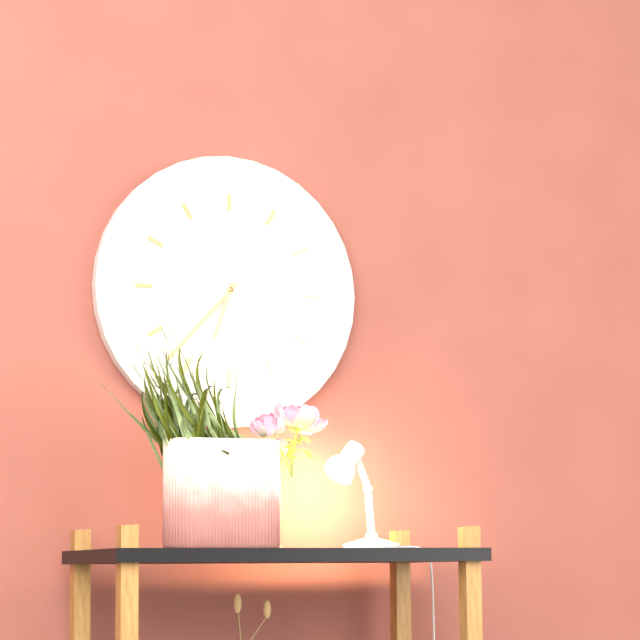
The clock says 6 h 37 min
